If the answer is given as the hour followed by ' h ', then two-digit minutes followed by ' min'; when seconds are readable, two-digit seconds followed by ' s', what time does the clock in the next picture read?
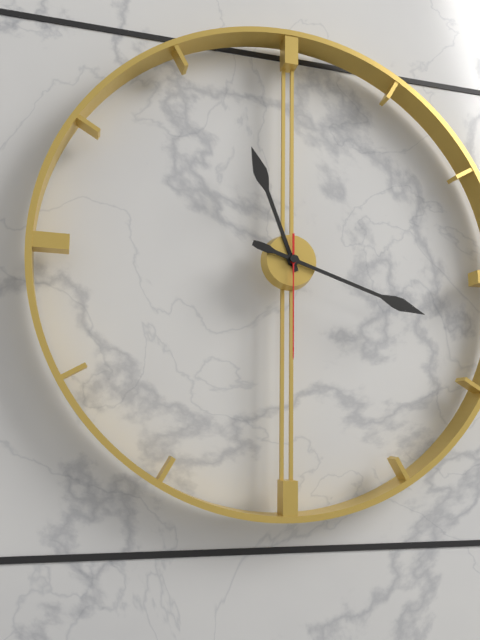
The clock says 11 h 18 min 30 s
